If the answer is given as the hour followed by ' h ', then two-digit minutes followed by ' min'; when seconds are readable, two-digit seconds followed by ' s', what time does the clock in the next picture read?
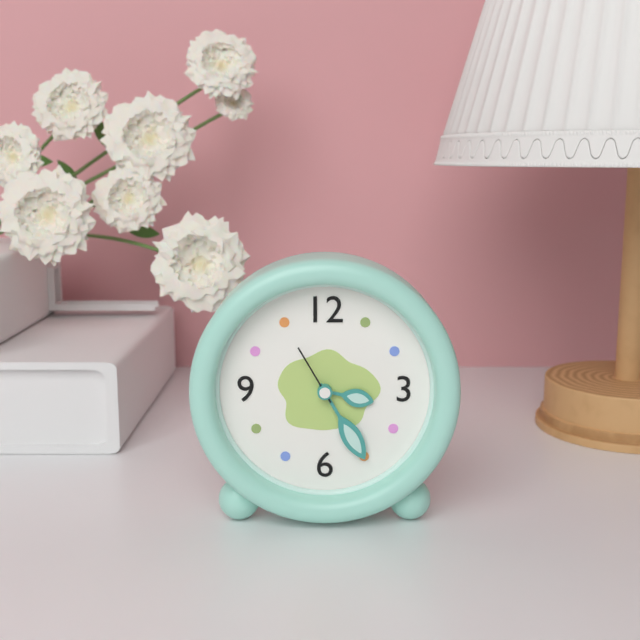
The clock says 3 h 25 min 55 s
